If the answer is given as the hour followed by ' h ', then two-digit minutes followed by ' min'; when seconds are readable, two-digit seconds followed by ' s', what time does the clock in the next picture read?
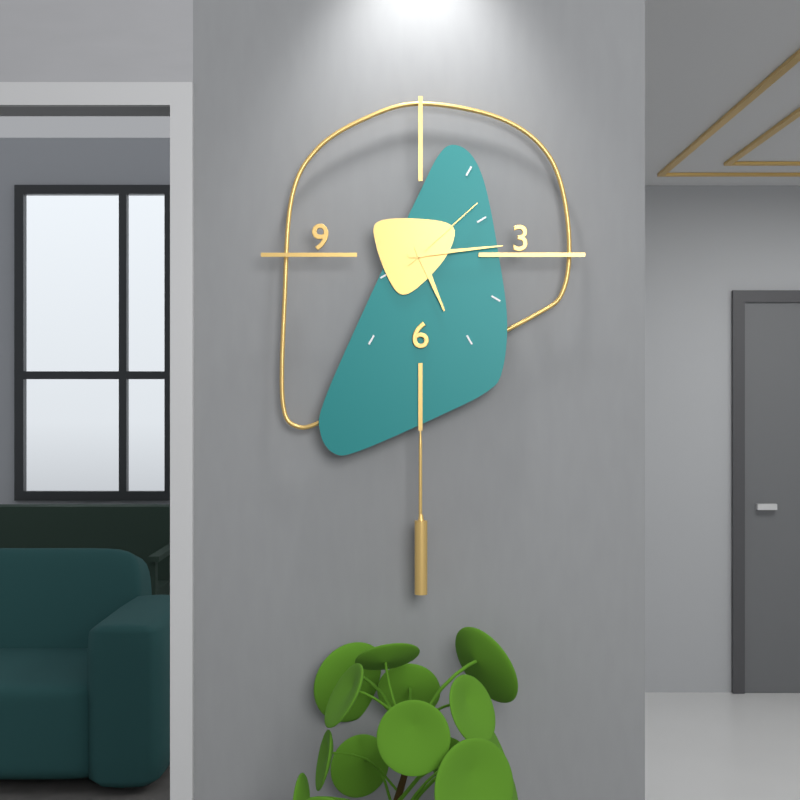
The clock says 5 h 14 min 08 s
